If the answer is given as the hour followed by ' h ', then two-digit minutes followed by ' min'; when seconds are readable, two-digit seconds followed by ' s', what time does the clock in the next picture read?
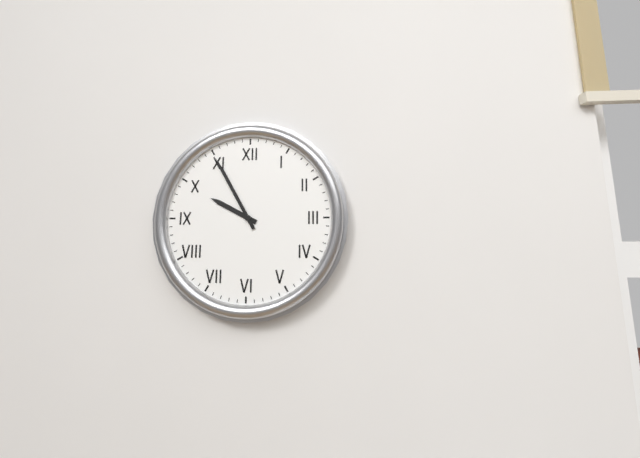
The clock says 9 h 55 min
